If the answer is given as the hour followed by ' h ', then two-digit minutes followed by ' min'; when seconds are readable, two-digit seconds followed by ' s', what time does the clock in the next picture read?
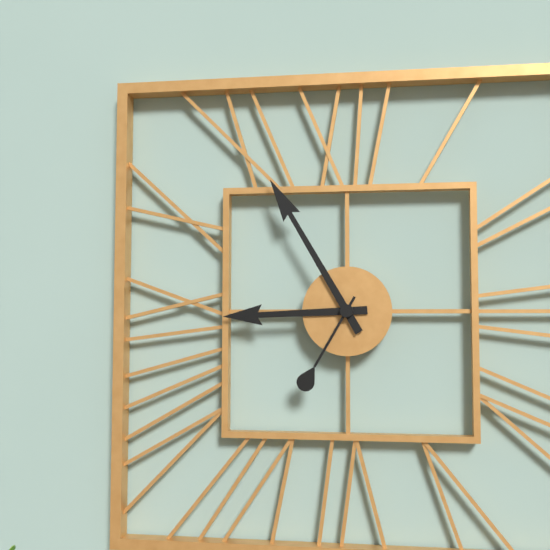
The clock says 8 h 55 min 35 s
